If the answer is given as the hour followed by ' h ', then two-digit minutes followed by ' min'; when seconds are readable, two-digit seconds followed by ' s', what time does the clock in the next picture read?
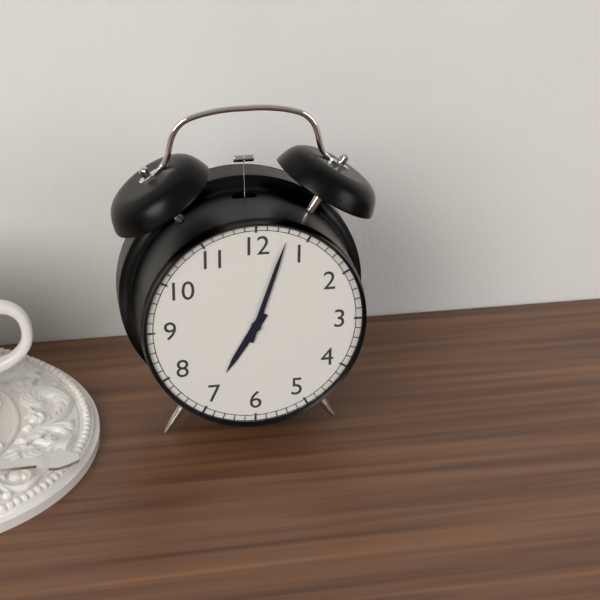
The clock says 7 h 03 min
